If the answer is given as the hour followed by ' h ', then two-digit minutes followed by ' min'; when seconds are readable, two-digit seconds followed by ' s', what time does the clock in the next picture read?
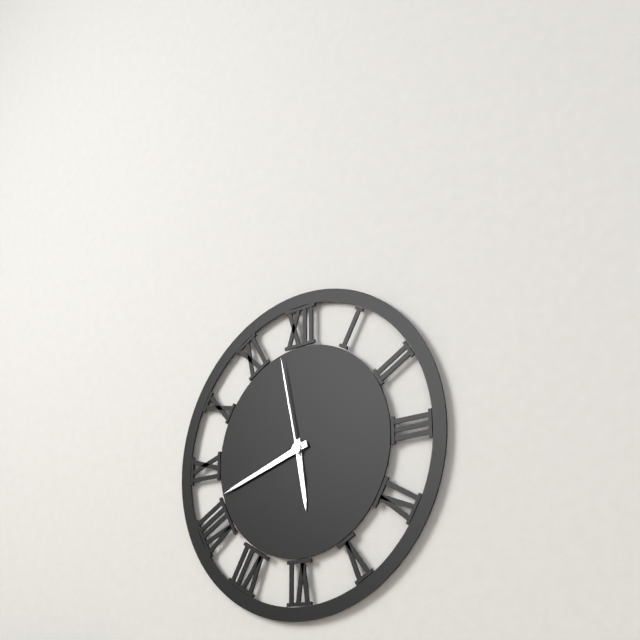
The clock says 5 h 42 min 58 s
